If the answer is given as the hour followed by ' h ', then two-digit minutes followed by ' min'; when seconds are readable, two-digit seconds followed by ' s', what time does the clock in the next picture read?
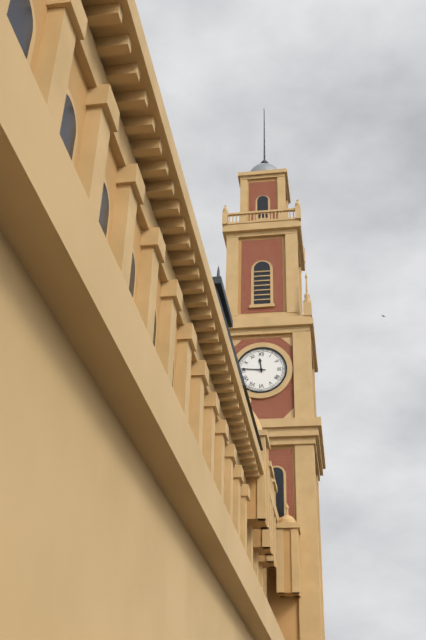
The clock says 11 h 46 min
